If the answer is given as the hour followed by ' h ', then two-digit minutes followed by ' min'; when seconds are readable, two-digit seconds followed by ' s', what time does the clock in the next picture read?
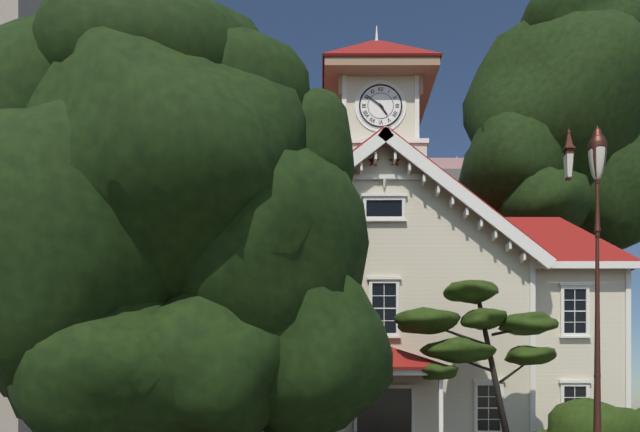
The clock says 4 h 51 min
